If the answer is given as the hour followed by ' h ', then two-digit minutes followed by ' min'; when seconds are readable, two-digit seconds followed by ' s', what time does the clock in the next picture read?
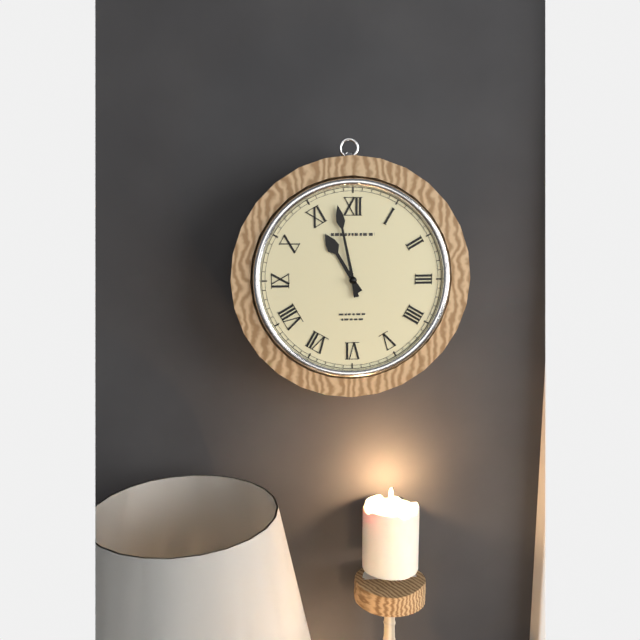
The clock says 10 h 58 min
